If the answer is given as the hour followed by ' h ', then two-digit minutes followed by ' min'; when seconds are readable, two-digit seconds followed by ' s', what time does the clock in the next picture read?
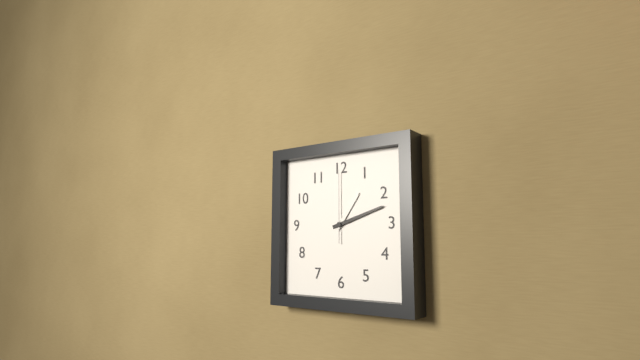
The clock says 1 h 12 min 00 s
